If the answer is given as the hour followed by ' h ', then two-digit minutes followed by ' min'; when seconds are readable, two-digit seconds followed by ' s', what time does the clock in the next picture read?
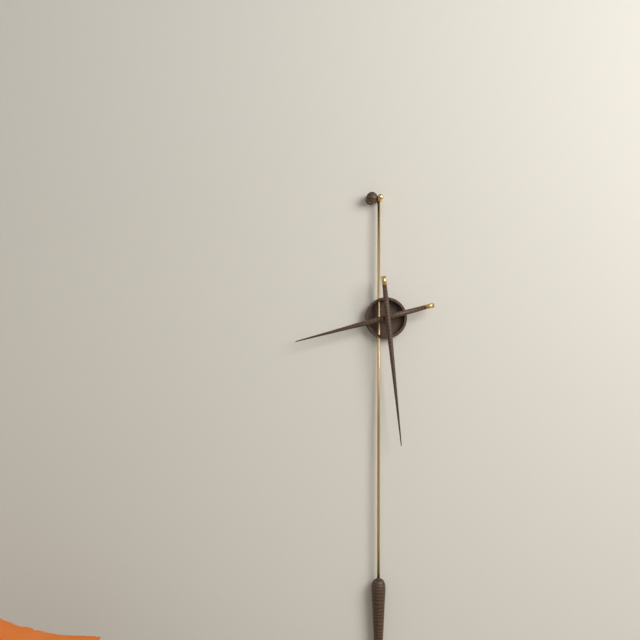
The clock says 8 h 29 min
